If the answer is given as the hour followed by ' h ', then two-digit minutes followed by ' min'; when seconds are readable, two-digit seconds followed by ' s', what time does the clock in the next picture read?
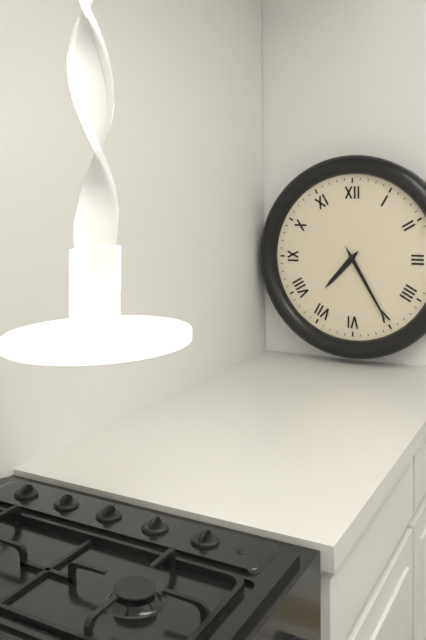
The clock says 7 h 25 min
